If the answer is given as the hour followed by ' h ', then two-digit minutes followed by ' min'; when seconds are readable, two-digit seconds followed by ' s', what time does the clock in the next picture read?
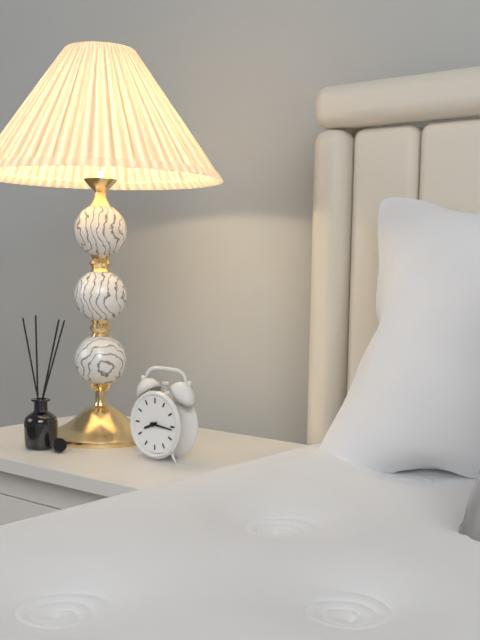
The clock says 8 h 16 min
